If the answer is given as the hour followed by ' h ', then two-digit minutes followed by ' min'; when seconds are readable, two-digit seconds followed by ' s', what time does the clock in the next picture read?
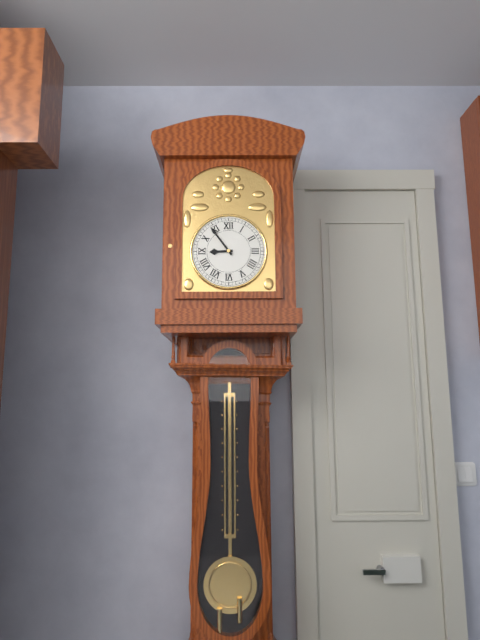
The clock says 8 h 54 min
